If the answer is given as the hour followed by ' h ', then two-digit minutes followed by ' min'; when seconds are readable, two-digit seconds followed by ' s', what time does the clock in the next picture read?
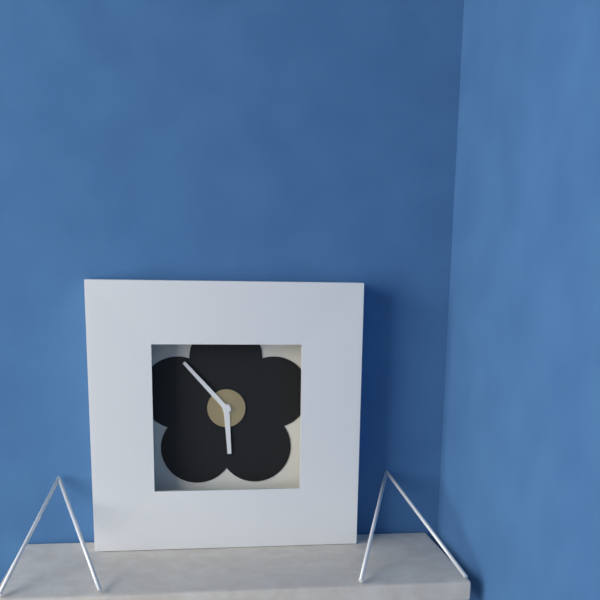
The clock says 5 h 53 min
